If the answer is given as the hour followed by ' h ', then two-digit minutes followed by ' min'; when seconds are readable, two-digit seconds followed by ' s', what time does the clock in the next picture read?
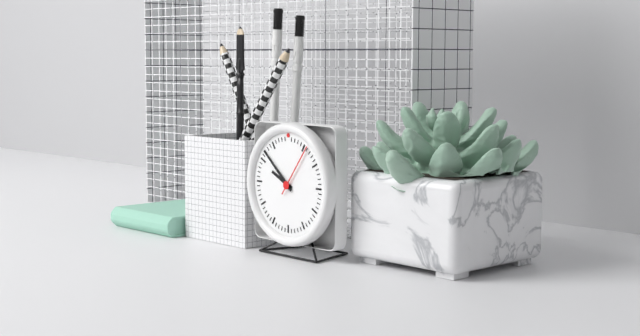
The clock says 9 h 52 min 06 s
